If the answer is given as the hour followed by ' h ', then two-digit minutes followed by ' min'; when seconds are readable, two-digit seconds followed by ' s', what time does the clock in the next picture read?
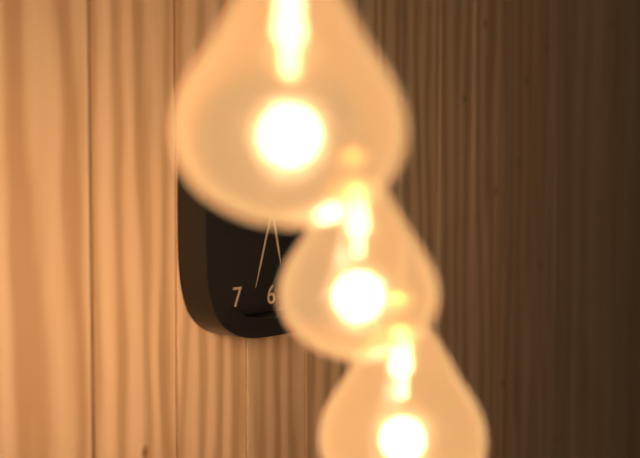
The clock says 5 h 33 min
